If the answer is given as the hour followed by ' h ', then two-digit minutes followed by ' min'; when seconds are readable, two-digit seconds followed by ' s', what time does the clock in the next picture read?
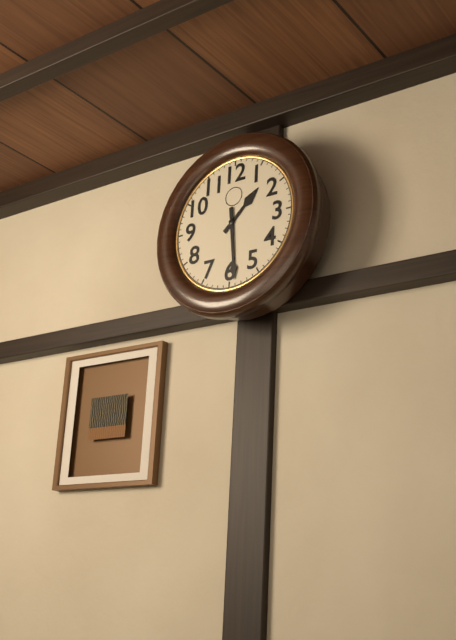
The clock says 1 h 29 min
